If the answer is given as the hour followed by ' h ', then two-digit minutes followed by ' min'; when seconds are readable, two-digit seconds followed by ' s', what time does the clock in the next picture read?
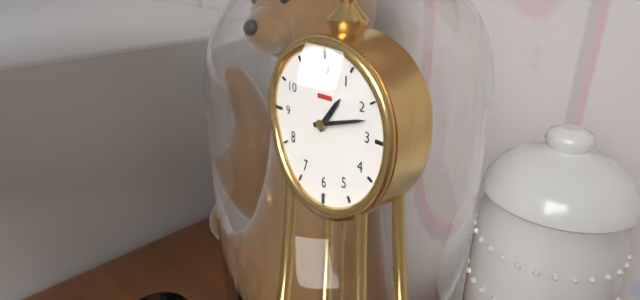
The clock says 1 h 12 min
